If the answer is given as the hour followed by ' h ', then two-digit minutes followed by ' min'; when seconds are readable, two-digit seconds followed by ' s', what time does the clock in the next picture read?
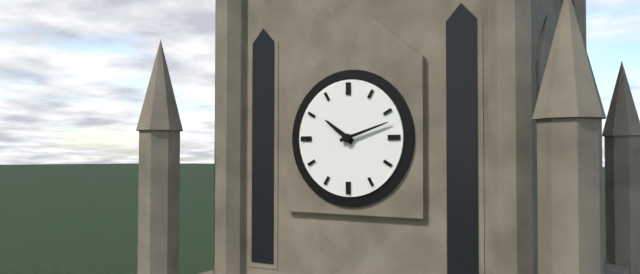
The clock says 10 h 12 min
